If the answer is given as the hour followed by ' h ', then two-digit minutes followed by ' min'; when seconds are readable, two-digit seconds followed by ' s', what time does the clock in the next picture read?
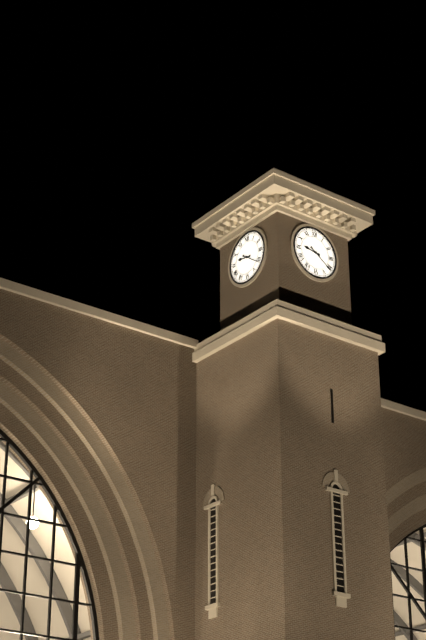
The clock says 9 h 21 min
